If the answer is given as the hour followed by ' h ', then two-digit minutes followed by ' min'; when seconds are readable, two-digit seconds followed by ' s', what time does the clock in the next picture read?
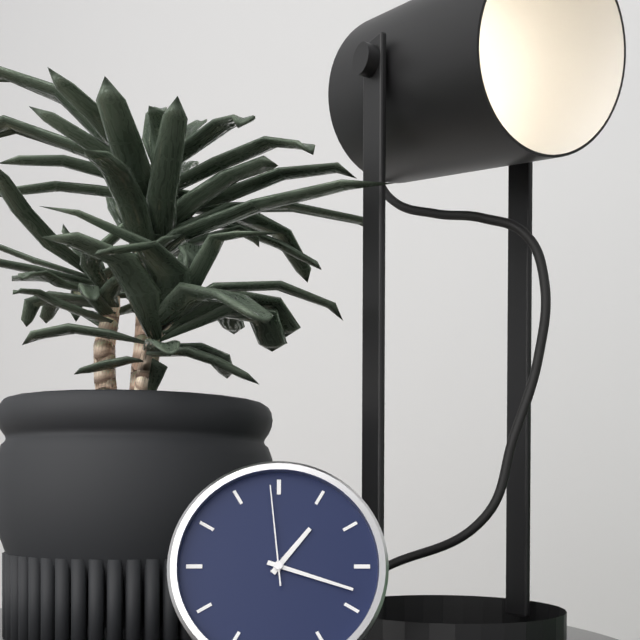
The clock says 1 h 18 min 59 s
